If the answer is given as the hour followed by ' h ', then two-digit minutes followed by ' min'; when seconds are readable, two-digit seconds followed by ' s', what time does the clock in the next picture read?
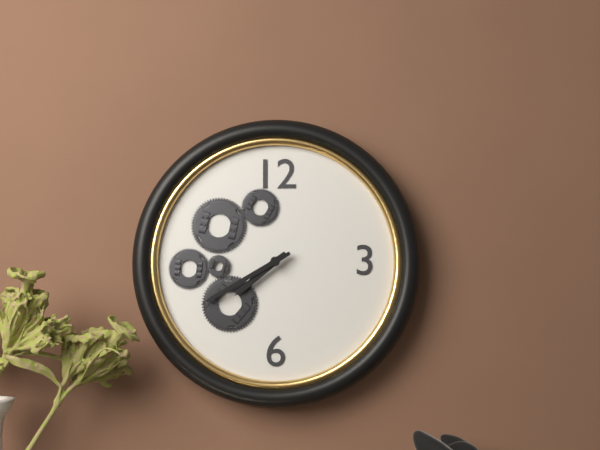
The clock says 7 h 40 min
